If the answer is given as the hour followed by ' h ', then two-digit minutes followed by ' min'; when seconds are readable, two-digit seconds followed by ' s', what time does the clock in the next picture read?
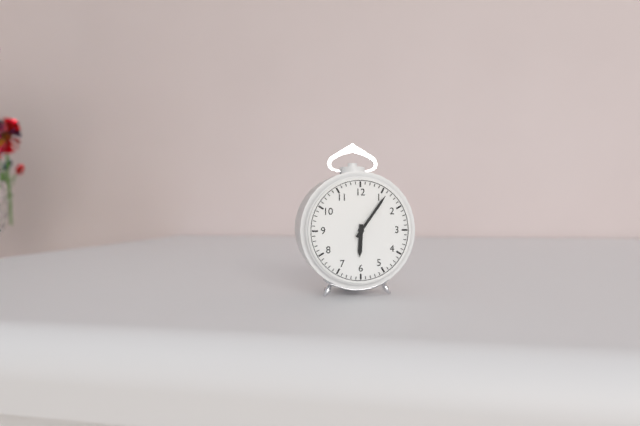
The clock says 6 h 06 min
